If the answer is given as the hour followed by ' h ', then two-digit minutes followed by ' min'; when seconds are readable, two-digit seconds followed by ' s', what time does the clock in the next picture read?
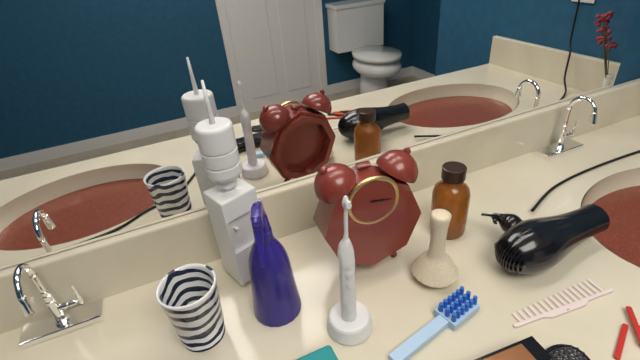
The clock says 3 h 16 min
